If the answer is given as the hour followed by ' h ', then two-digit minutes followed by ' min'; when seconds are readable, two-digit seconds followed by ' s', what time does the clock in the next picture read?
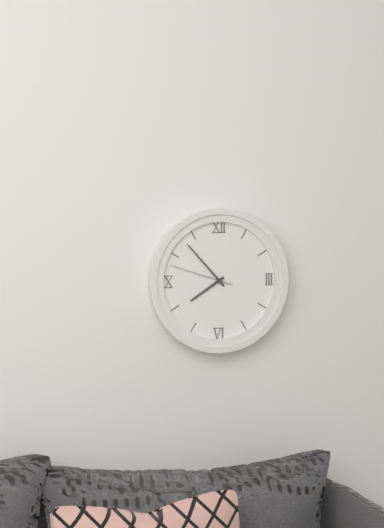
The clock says 7 h 53 min 48 s
